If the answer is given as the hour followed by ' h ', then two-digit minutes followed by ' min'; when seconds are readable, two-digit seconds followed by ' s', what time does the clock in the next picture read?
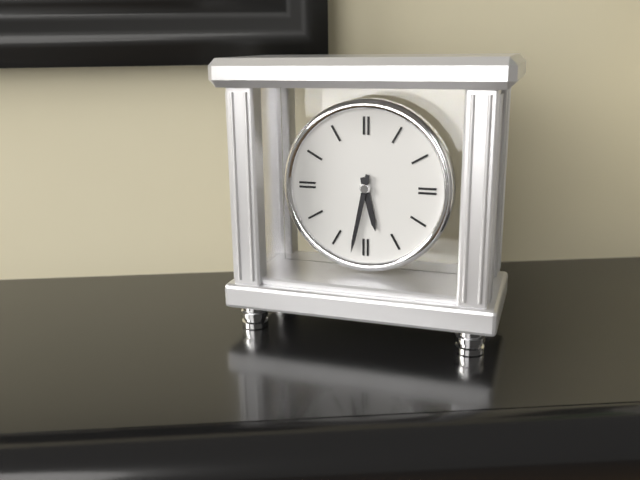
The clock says 5 h 32 min
